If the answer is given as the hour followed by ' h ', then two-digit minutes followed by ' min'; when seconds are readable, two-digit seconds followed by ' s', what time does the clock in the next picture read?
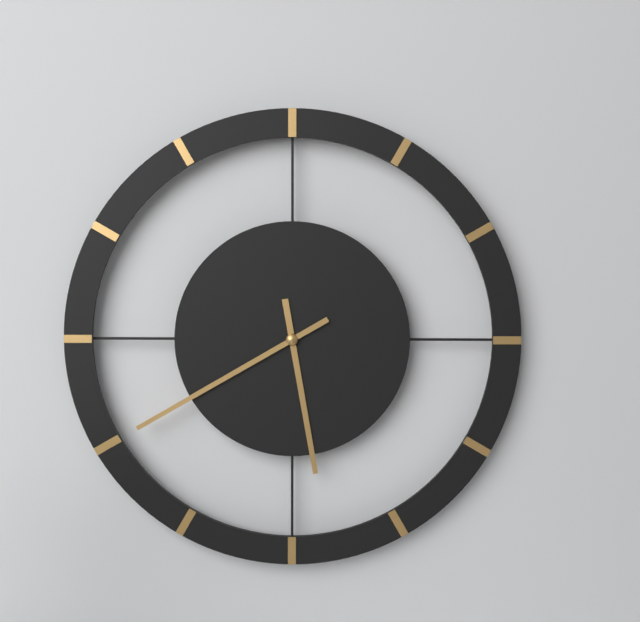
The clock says 5 h 40 min
